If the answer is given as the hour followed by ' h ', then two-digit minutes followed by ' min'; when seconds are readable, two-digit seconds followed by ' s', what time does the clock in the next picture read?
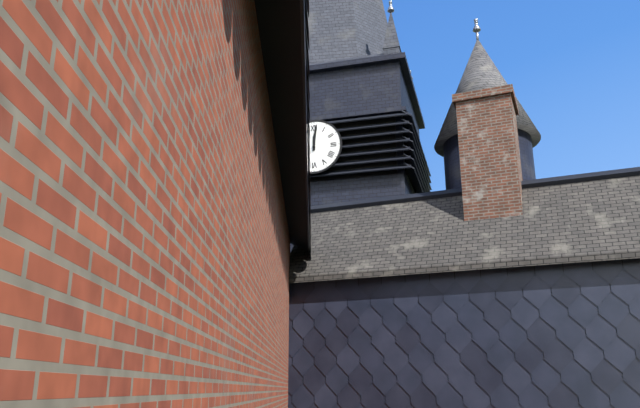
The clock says 12 h 01 min
